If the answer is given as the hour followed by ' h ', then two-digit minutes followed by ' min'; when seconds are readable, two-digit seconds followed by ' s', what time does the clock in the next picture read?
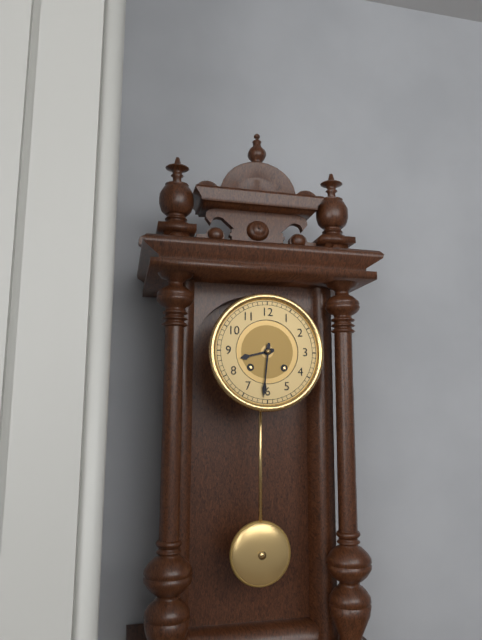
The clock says 8 h 31 min
